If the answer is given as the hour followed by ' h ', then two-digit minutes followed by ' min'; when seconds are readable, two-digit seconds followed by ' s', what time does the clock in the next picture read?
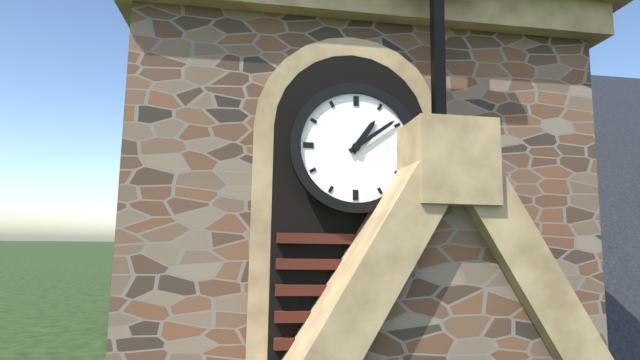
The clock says 1 h 09 min
